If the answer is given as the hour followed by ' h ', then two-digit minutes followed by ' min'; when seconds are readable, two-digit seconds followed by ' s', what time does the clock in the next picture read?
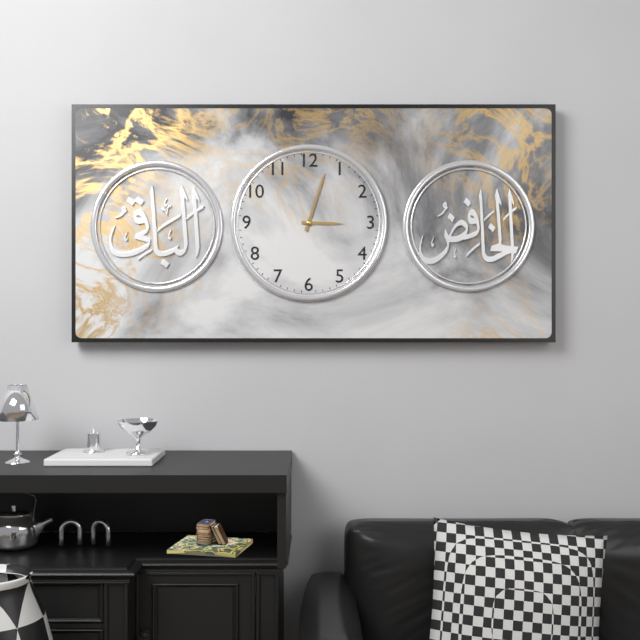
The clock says 3 h 03 min
